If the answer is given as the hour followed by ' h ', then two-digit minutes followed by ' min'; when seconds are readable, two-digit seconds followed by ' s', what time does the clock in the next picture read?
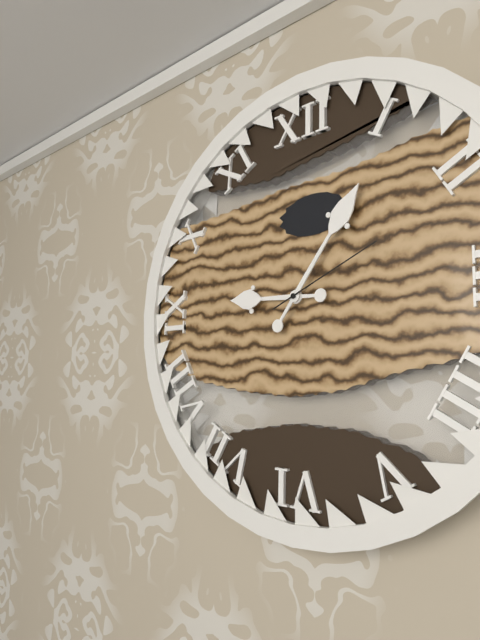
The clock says 9 h 06 min 11 s
